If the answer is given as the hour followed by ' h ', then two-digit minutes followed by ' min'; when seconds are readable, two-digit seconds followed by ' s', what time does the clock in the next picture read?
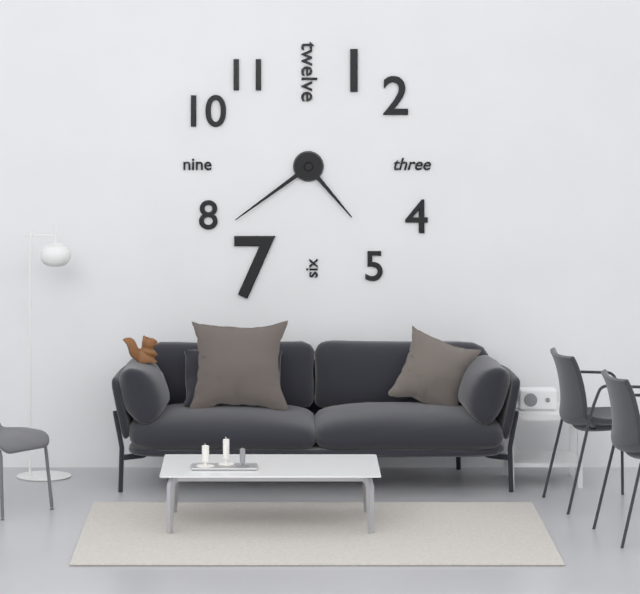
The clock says 4 h 39 min
